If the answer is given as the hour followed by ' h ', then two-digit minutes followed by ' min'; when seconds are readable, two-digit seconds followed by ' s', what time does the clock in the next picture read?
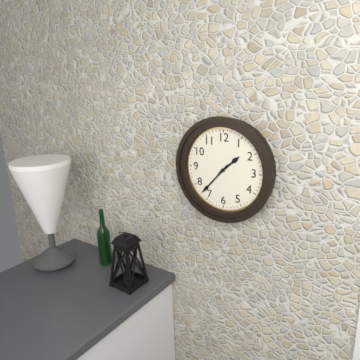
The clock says 1 h 37 min
